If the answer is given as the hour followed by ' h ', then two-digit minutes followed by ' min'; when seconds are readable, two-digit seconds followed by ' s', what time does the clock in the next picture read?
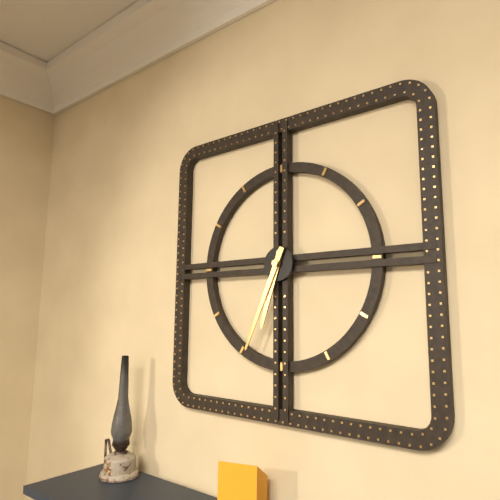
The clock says 6 h 34 min
